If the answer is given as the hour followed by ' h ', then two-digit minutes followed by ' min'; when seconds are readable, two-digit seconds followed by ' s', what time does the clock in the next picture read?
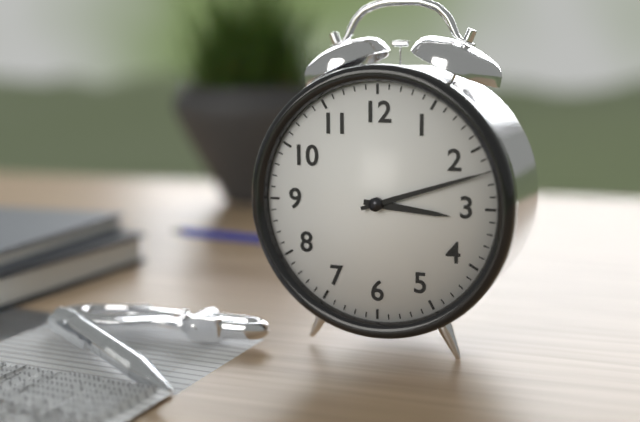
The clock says 3 h 12 min
